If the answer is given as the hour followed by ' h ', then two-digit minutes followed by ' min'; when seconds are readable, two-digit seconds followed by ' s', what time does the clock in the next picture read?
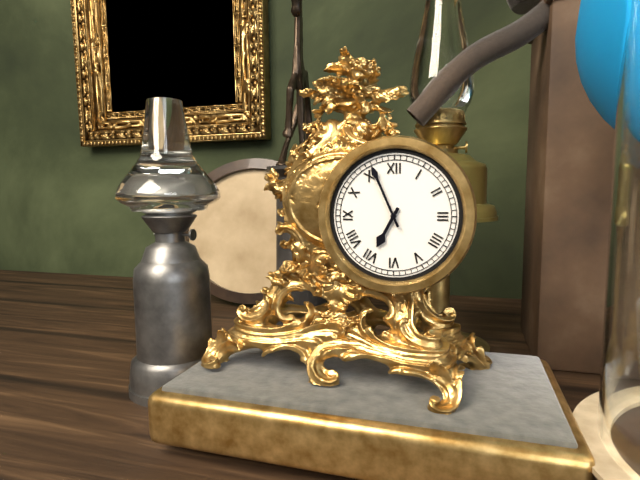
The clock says 6 h 56 min
